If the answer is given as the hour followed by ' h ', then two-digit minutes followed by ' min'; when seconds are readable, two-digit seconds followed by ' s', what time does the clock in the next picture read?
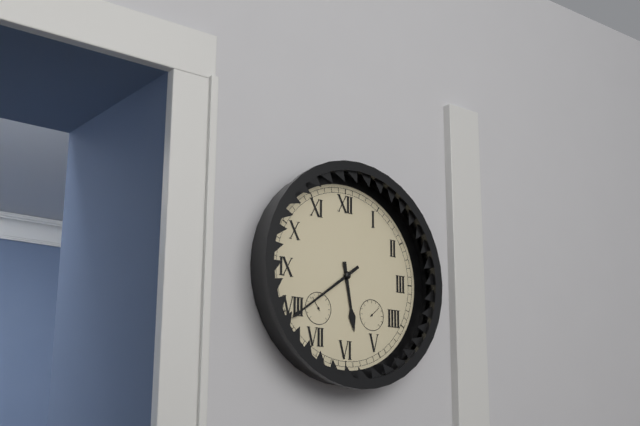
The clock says 5 h 39 min
